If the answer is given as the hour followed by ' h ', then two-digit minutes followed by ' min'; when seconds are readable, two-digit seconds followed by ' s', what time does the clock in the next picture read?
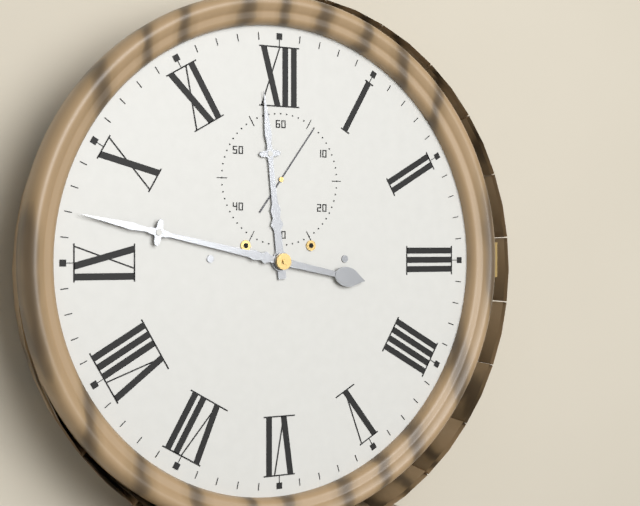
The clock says 11 h 47 min 06 s
